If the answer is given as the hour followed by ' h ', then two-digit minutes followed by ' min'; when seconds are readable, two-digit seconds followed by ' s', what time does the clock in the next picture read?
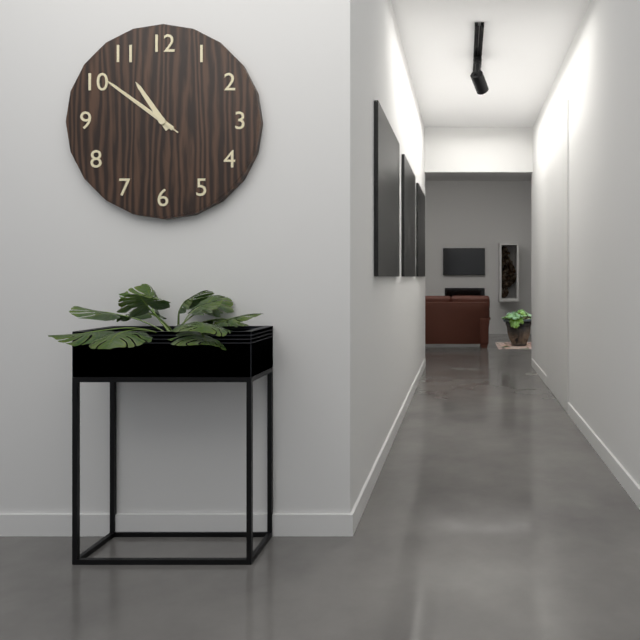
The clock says 10 h 51 min 51 s
